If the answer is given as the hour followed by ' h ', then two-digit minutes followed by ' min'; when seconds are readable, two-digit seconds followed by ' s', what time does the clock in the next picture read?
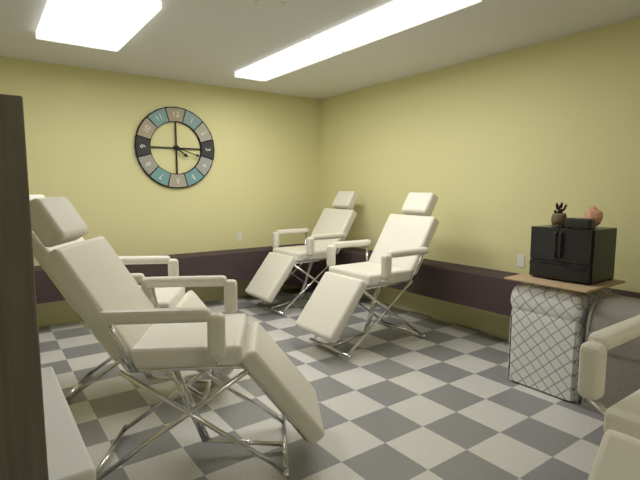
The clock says 4 h 18 min
